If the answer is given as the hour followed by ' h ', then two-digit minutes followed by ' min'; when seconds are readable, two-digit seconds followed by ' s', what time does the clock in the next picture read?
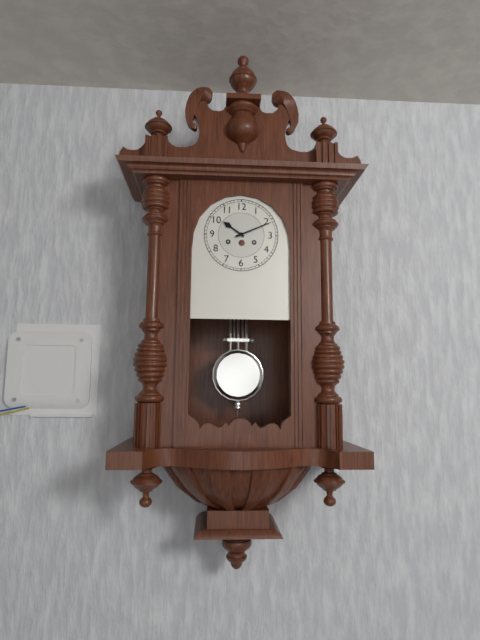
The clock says 10 h 11 min
